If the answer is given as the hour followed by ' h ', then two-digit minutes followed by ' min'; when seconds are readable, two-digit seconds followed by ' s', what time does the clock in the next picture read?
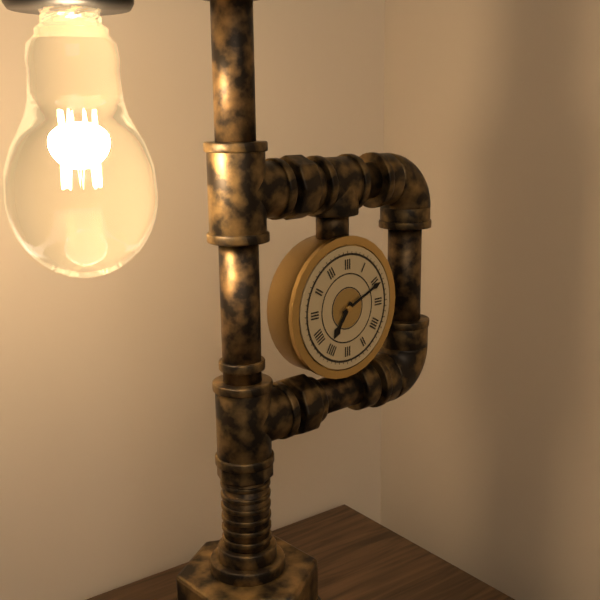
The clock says 7 h 11 min
